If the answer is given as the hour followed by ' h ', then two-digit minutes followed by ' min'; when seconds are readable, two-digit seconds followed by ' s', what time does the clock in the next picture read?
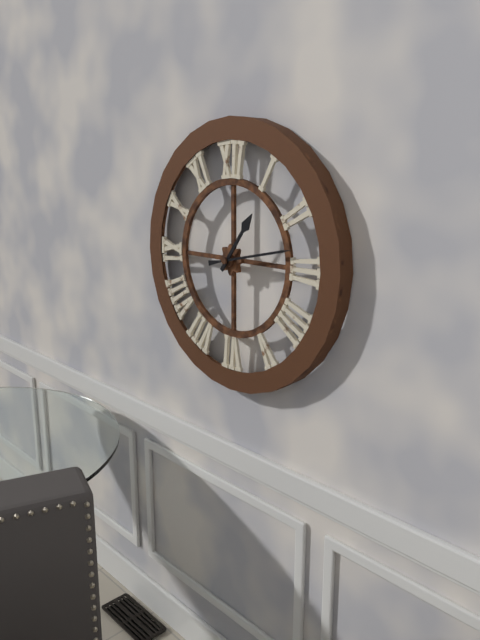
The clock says 1 h 13 min
